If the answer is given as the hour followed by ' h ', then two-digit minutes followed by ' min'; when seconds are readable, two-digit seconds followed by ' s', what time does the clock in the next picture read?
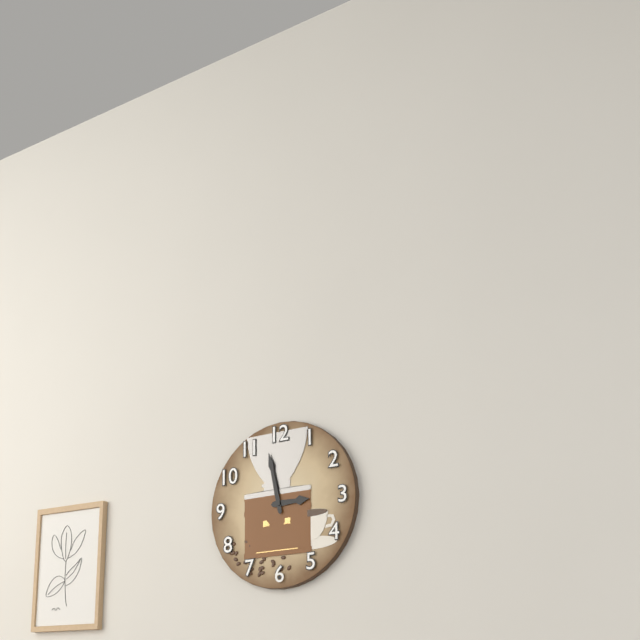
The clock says 2 h 58 min
